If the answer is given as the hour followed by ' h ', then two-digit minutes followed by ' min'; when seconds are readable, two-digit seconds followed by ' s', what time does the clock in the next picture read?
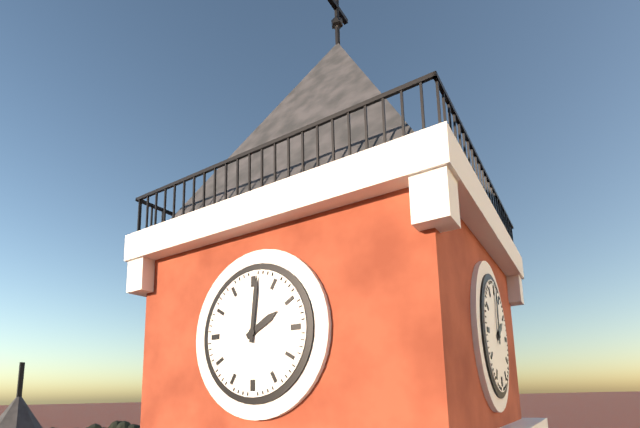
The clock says 2 h 01 min
